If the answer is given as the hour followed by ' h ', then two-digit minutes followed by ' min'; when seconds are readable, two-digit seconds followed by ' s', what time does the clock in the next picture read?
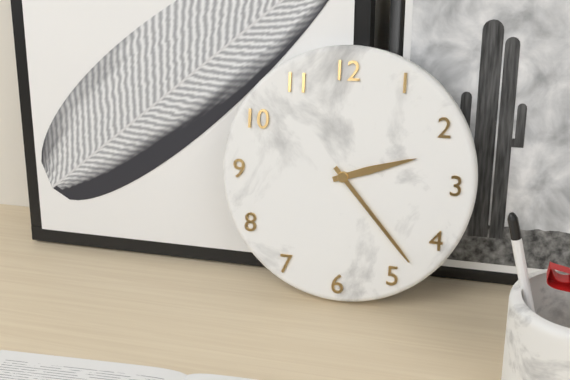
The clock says 2 h 23 min
